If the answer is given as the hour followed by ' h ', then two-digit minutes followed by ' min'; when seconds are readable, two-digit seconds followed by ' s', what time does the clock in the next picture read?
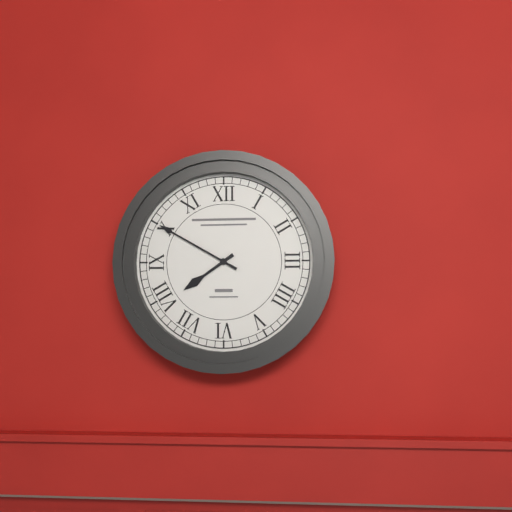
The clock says 7 h 50 min
